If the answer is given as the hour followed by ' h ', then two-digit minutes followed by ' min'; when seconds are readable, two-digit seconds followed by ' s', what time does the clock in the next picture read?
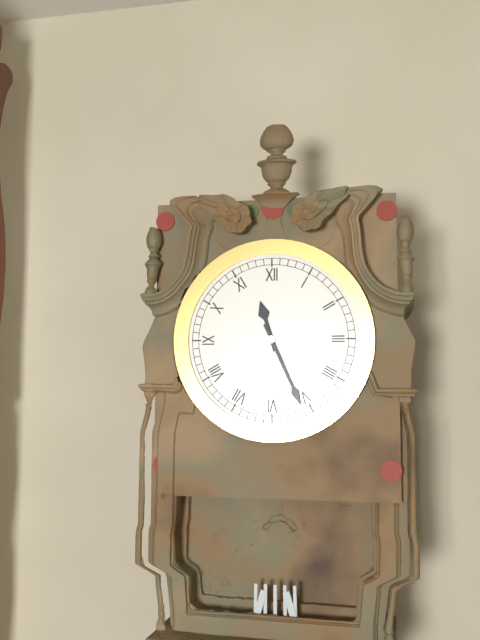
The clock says 11 h 26 min
